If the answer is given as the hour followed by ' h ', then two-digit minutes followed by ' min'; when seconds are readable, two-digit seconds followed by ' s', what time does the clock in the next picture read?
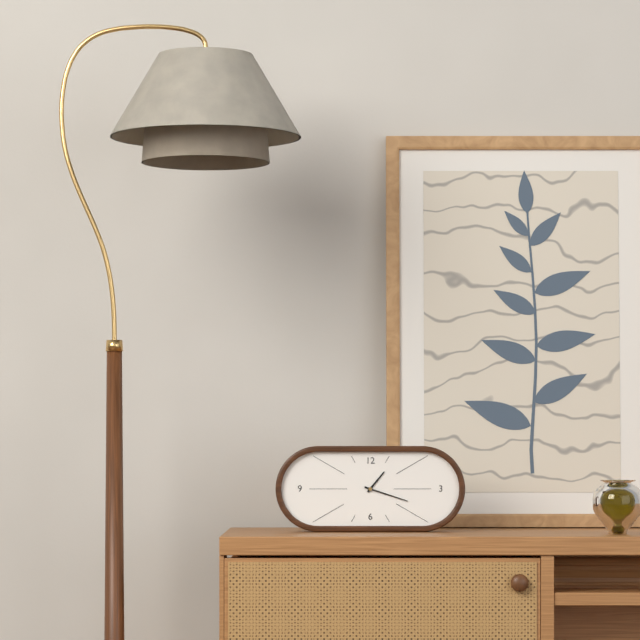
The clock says 1 h 18 min
